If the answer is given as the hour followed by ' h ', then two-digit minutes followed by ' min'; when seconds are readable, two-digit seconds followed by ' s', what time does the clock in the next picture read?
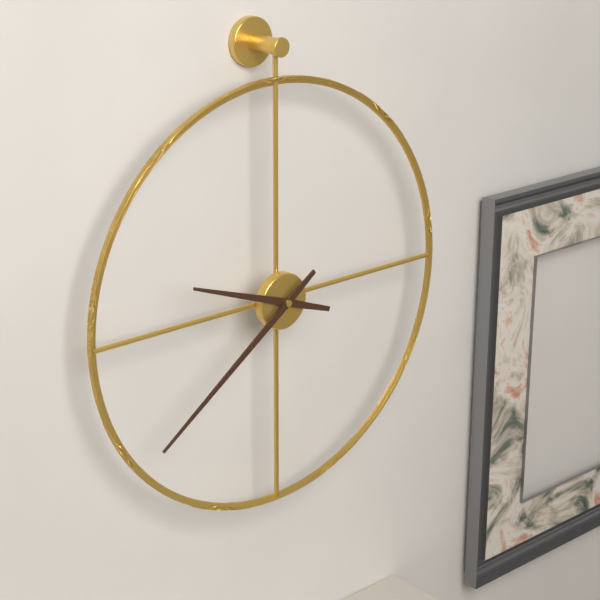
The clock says 9 h 39 min
